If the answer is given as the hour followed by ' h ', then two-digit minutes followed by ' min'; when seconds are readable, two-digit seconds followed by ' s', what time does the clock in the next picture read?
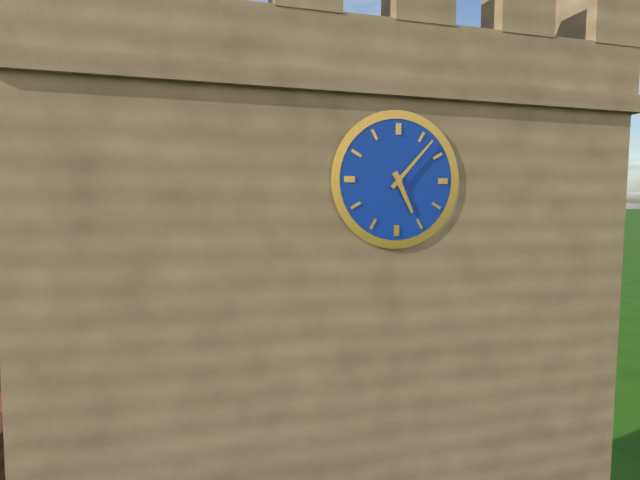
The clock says 5 h 07 min
